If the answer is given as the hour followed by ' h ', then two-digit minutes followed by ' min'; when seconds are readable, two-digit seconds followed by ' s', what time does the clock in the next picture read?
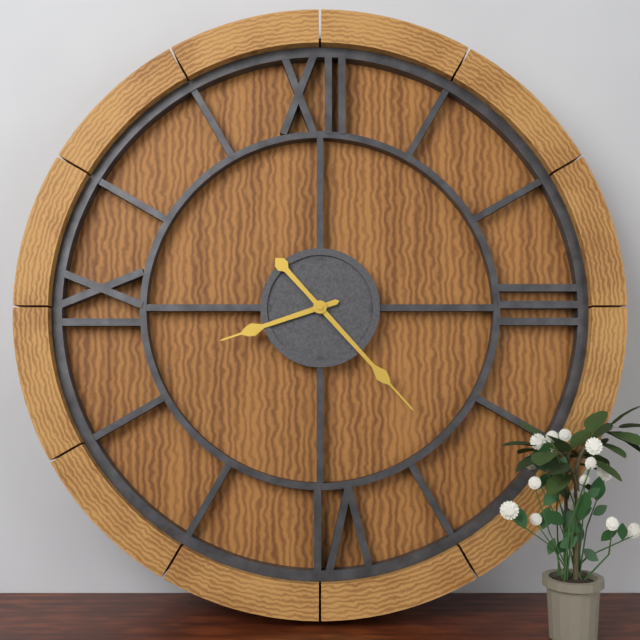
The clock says 8 h 23 min
